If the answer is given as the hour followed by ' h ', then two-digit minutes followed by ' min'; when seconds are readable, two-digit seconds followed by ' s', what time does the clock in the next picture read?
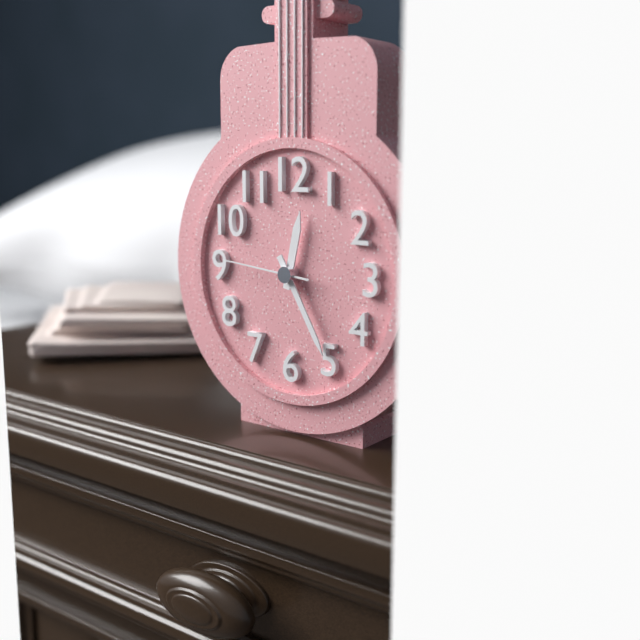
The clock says 12 h 25 min 46 s
